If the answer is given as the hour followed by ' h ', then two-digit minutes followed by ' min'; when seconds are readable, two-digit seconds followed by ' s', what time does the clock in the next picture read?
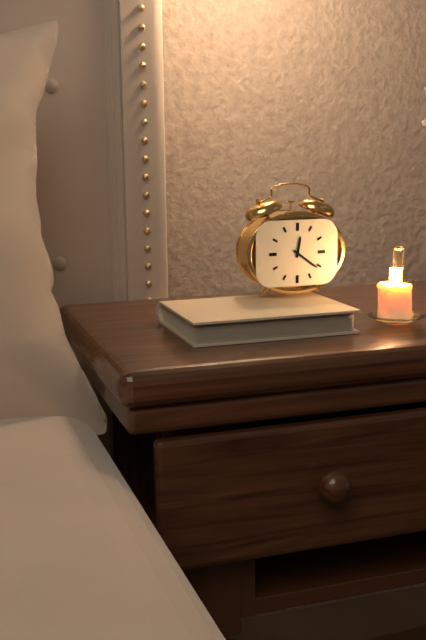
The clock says 12 h 21 min
